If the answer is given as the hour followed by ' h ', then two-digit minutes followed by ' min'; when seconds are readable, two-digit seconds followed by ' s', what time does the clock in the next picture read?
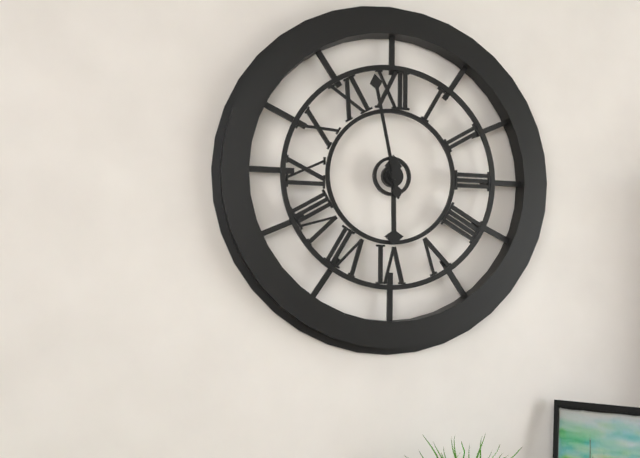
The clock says 5 h 58 min
